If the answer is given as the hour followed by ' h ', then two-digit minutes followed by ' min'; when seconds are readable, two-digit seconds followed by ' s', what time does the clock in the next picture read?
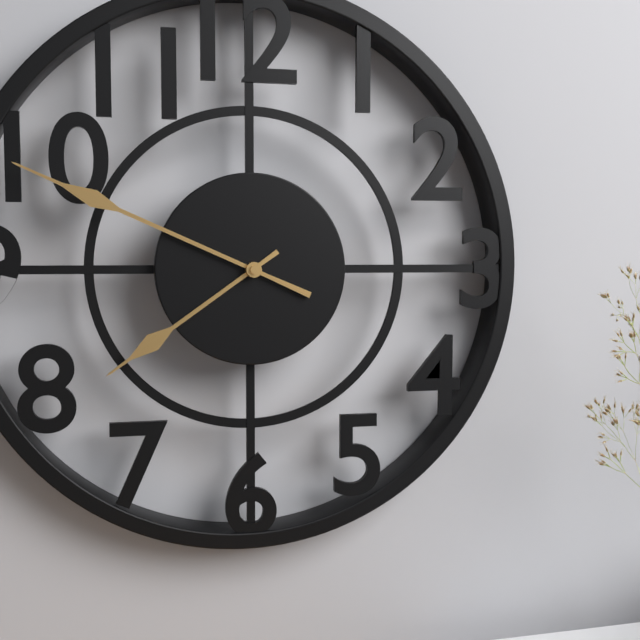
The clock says 7 h 49 min
